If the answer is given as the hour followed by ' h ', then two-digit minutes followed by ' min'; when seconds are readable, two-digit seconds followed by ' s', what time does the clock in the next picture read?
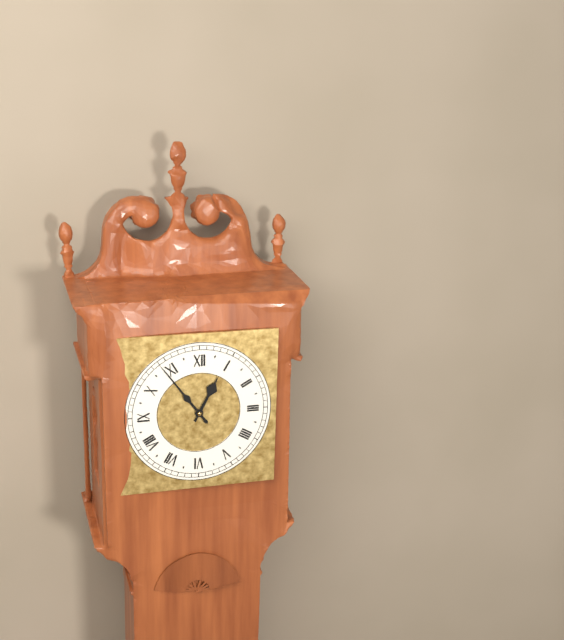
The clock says 12 h 54 min
